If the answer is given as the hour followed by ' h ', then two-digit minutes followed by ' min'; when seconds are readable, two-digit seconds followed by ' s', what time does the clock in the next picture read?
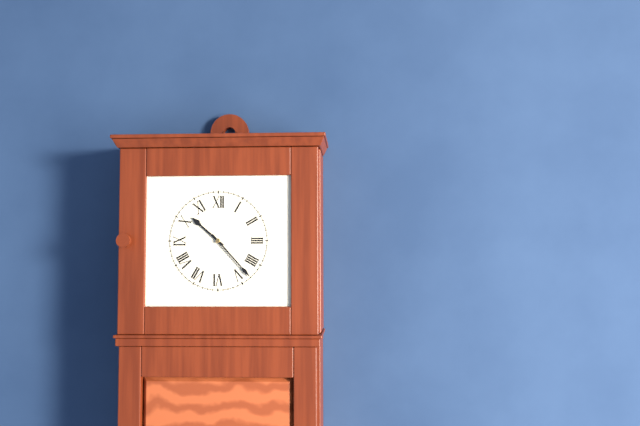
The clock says 10 h 23 min
